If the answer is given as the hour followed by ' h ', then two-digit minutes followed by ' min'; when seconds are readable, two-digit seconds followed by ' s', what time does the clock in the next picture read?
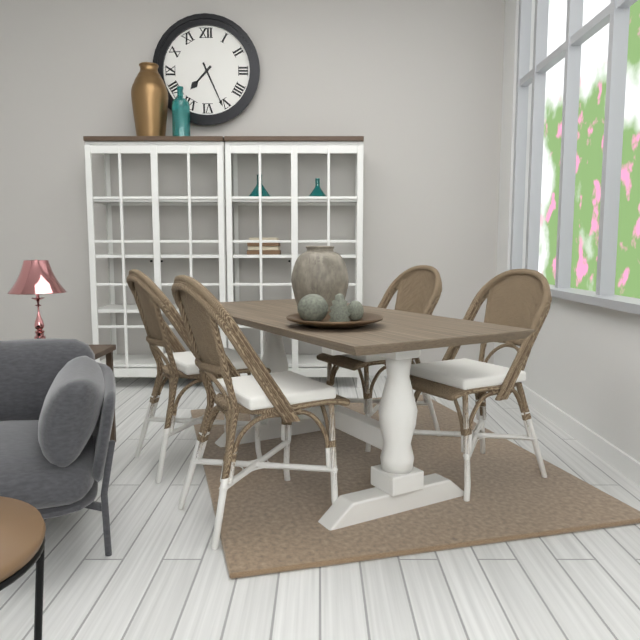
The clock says 7 h 26 min
